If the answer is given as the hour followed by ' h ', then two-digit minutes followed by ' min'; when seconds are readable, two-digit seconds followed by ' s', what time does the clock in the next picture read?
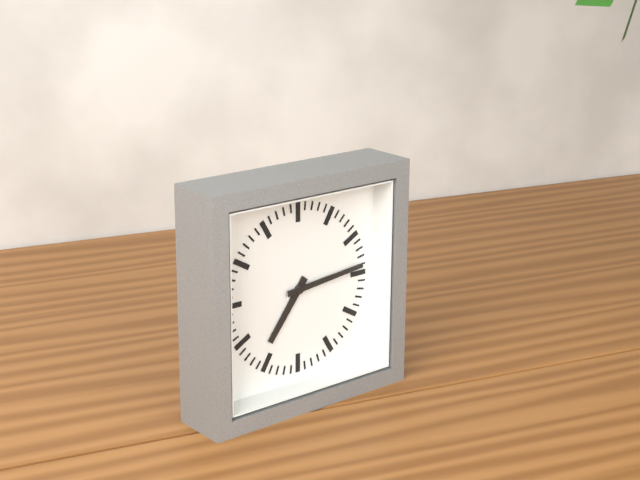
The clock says 7 h 14 min
